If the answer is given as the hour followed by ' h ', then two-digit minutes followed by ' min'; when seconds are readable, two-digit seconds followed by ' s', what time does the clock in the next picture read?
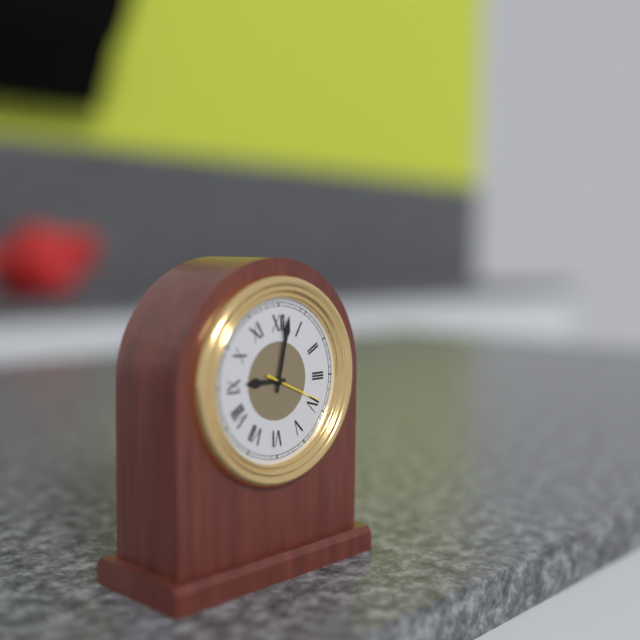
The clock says 9 h 02 min 19 s
